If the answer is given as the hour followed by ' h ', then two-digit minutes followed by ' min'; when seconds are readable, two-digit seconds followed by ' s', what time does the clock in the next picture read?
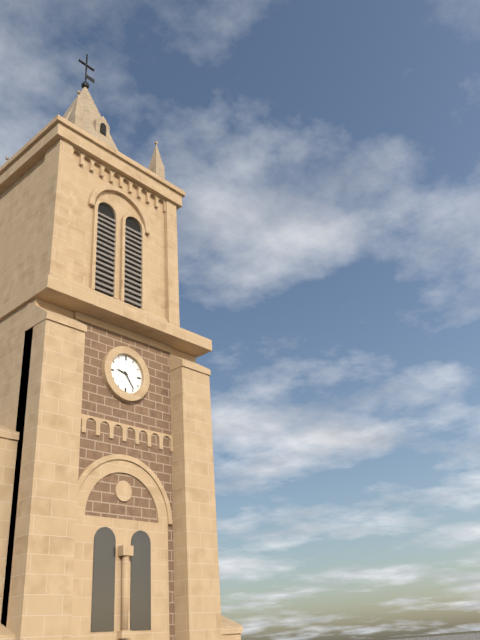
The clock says 9 h 24 min
